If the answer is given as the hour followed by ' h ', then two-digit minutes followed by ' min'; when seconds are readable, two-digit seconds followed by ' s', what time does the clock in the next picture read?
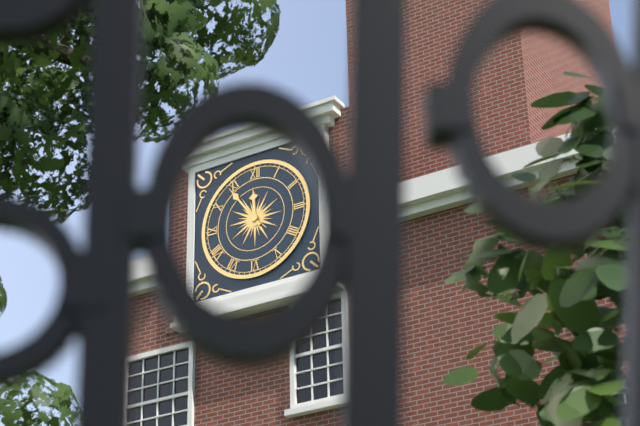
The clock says 11 h 54 min
